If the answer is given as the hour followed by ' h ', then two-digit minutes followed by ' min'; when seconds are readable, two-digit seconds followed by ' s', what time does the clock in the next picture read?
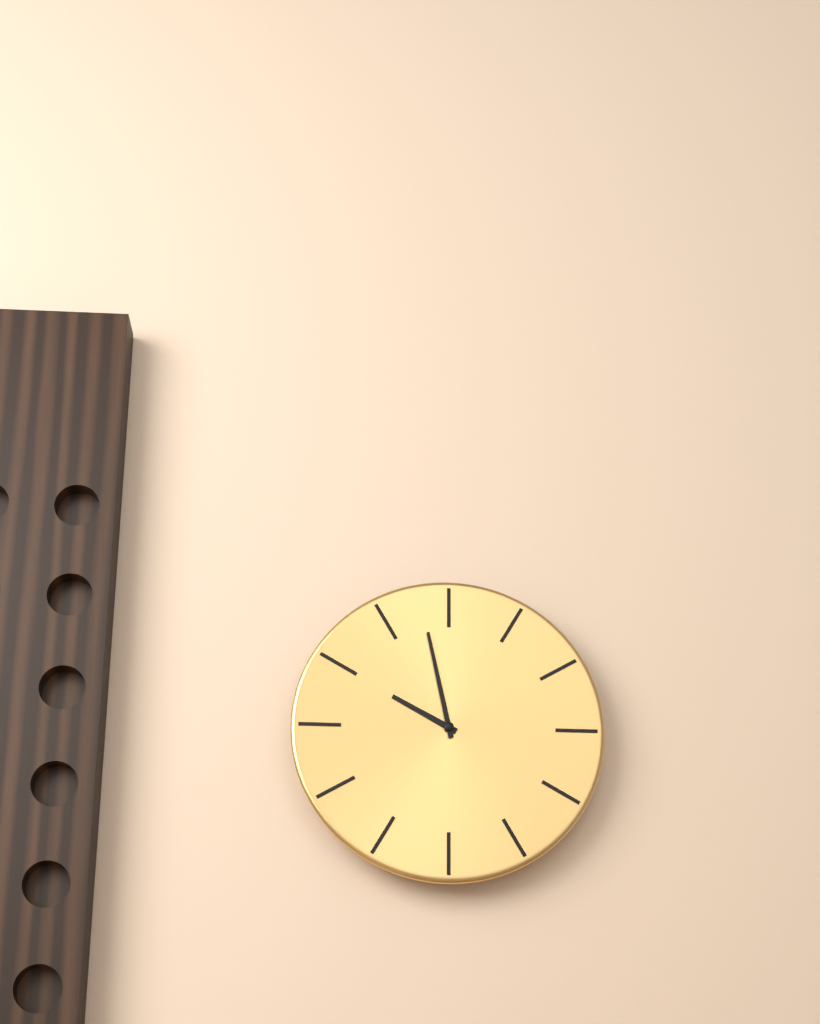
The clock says 9 h 58 min
